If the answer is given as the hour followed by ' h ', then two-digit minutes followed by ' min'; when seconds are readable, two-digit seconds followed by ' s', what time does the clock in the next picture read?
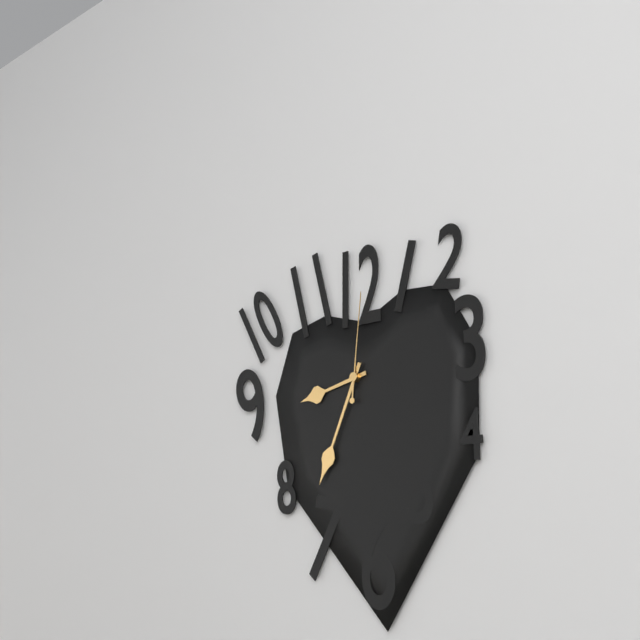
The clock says 8 h 34 min 01 s
